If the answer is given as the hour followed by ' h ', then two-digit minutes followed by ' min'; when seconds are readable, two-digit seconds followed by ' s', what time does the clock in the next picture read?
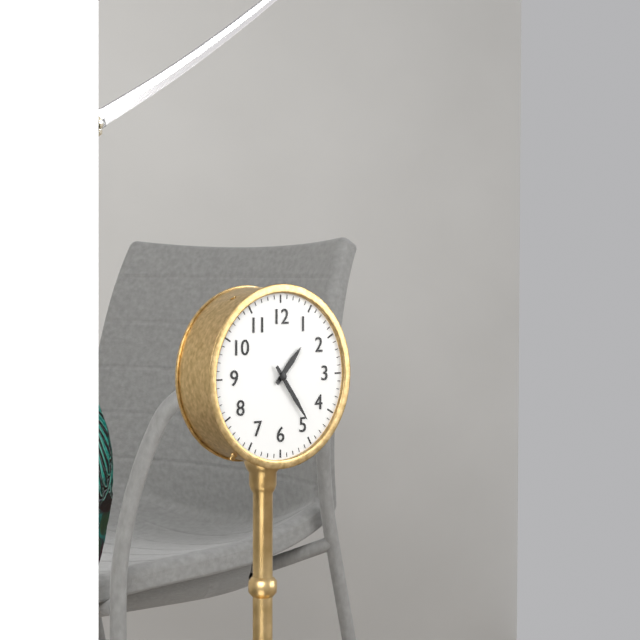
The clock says 1 h 24 min
